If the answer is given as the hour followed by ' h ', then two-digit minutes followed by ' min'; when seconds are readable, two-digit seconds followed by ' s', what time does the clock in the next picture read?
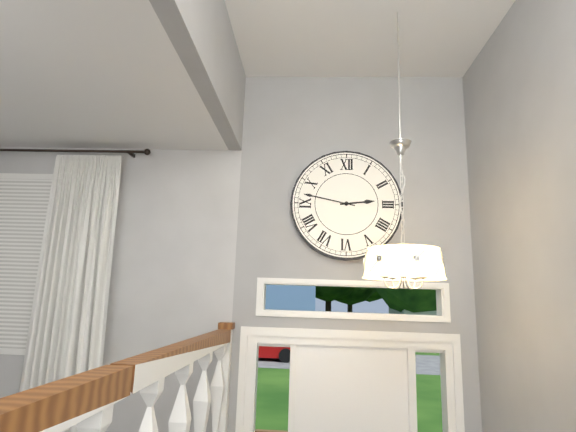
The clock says 2 h 47 min
